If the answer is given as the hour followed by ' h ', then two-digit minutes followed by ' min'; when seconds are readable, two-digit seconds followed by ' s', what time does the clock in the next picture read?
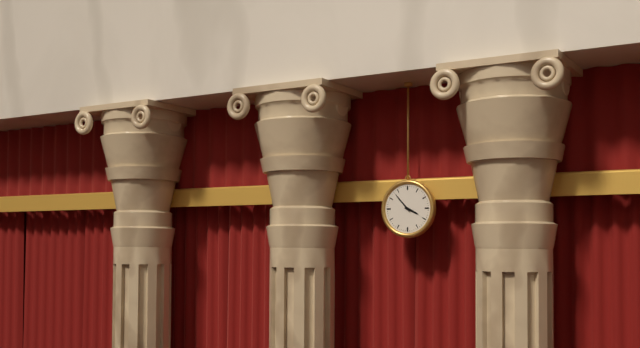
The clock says 3 h 53 min
